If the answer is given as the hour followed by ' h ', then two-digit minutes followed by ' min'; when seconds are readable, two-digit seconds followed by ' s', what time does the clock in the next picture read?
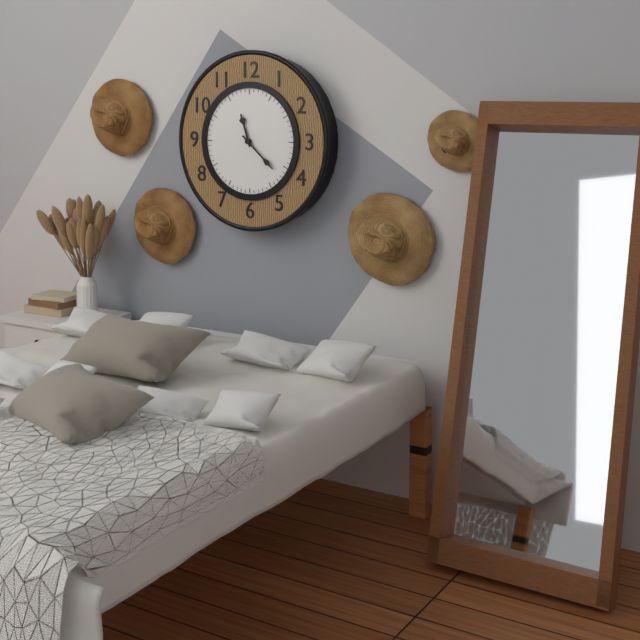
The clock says 11 h 22 min
